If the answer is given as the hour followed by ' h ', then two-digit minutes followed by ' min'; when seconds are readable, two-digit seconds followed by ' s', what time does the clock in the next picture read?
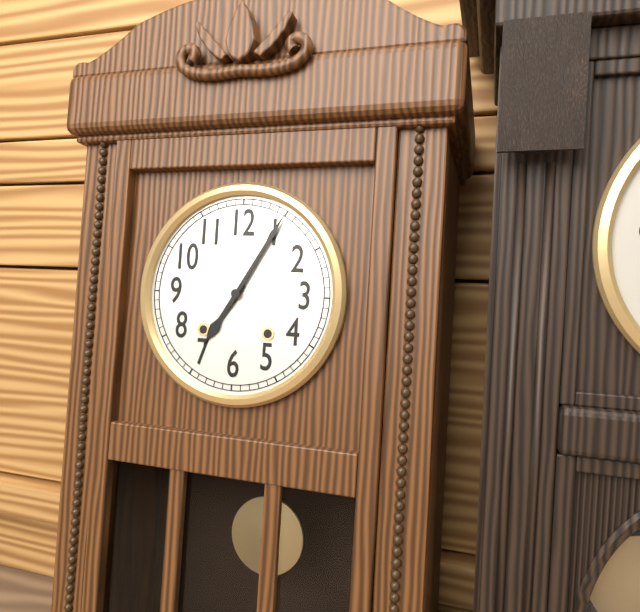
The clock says 7 h 05 min
